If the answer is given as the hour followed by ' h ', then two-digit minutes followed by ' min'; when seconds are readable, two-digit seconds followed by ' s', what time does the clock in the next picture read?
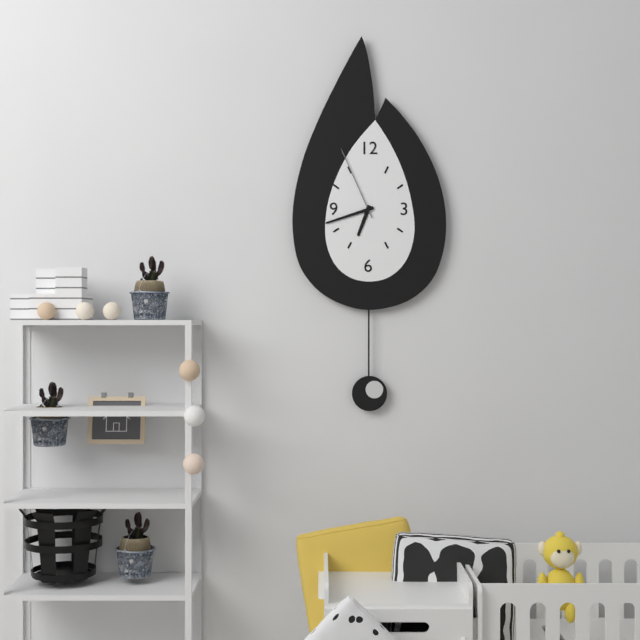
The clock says 6 h 42 min 56 s
